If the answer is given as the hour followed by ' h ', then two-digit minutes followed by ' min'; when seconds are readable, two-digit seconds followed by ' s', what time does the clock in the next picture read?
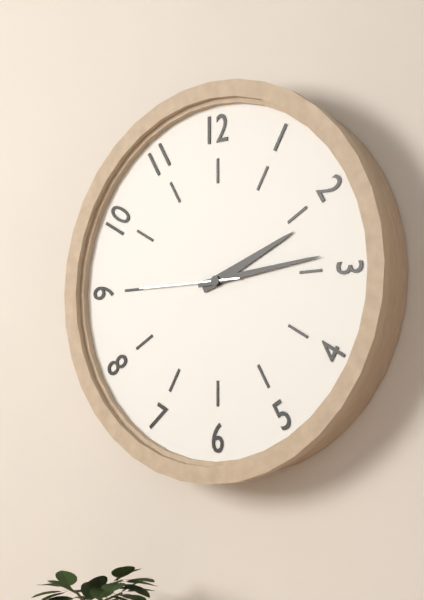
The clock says 2 h 14 min 45 s
